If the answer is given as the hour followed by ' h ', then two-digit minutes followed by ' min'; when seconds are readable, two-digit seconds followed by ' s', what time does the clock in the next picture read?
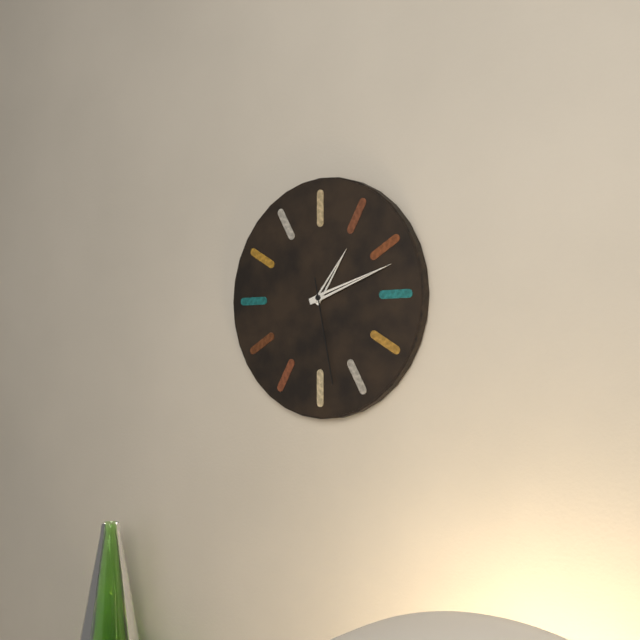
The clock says 1 h 12 min 28 s
